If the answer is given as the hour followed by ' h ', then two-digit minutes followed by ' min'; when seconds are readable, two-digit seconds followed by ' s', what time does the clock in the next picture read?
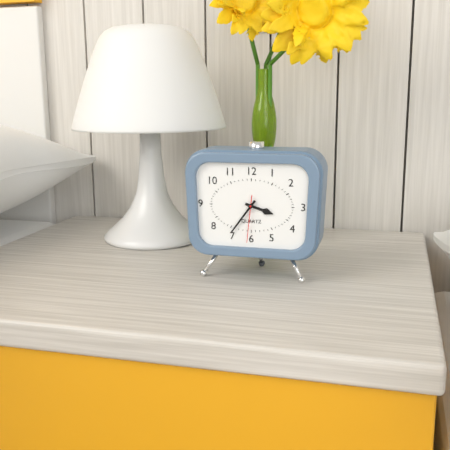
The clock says 3 h 36 min
